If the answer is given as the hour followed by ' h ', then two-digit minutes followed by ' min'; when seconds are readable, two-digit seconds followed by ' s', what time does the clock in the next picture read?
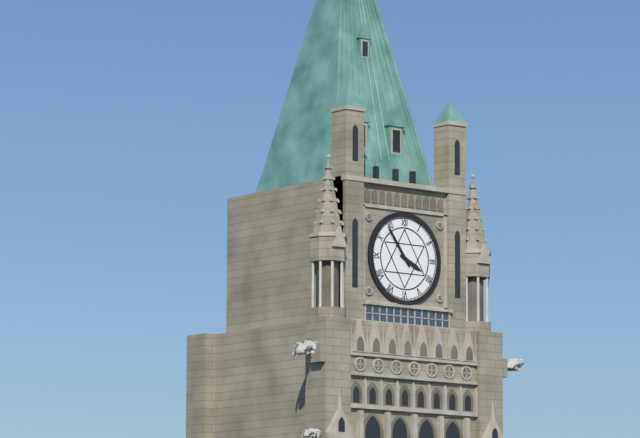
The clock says 3 h 54 min
